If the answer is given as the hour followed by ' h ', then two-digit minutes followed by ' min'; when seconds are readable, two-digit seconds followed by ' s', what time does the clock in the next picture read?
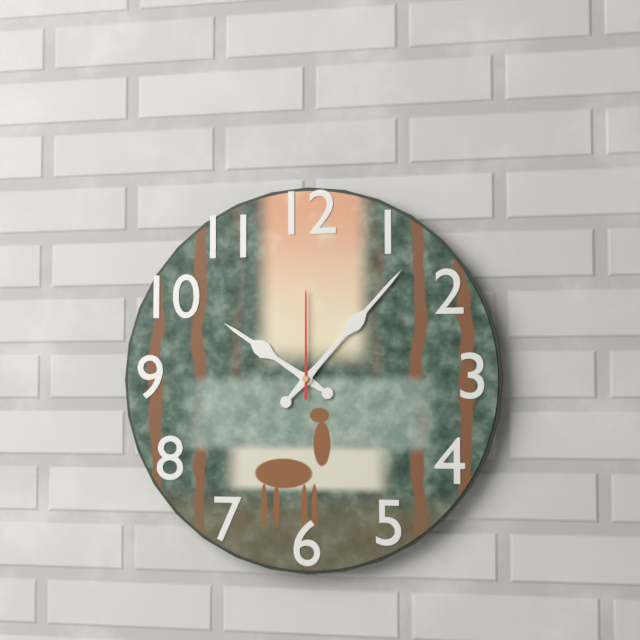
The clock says 10 h 07 min 00 s
